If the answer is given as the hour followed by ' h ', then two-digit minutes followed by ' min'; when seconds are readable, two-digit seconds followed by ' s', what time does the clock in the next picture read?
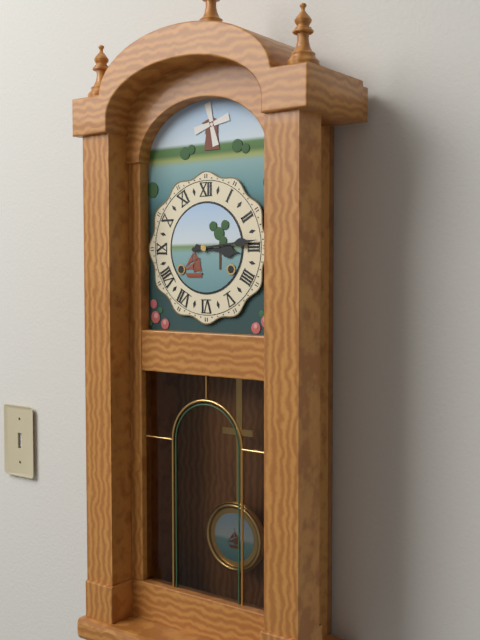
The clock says 3 h 14 min
